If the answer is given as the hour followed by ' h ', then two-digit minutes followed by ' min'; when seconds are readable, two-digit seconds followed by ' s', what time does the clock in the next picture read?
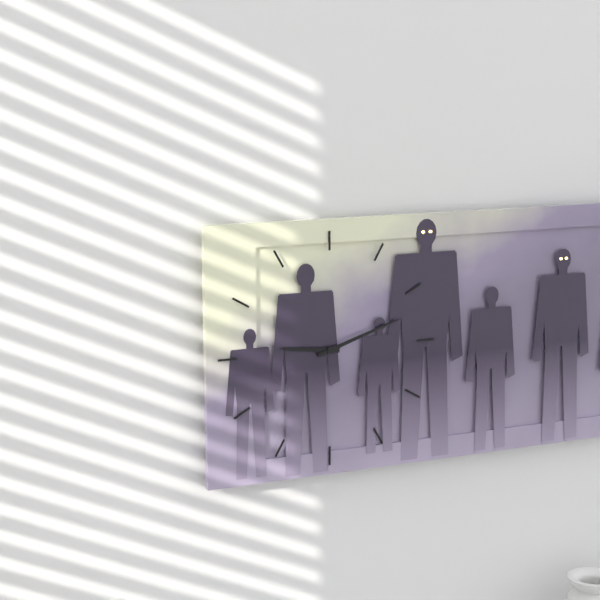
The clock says 9 h 12 min
